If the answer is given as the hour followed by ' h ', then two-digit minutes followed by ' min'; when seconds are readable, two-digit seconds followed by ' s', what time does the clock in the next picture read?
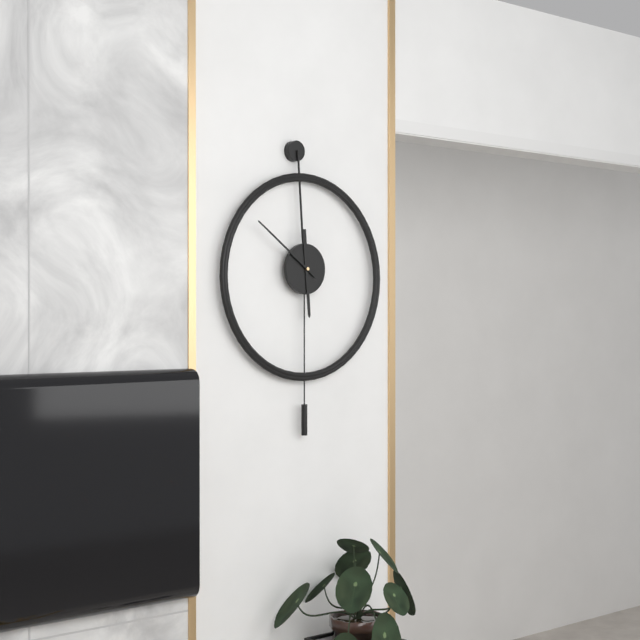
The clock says 5 h 51 min
